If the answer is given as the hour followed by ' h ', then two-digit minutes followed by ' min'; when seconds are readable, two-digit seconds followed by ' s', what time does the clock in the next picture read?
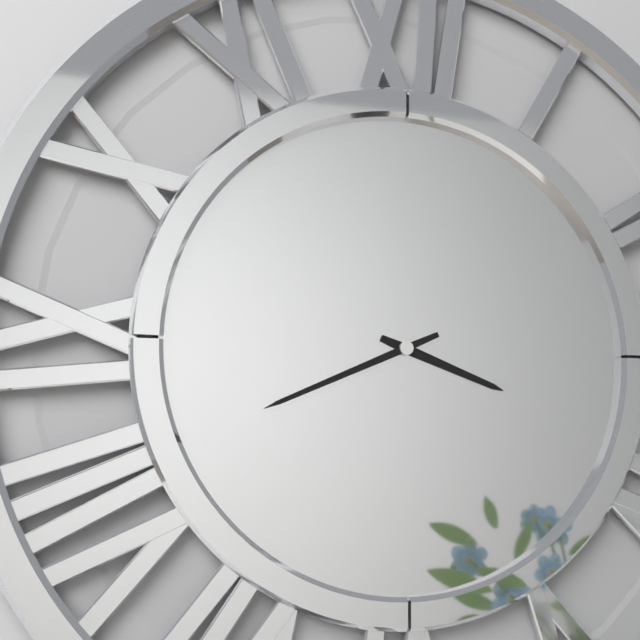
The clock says 3 h 41 min
